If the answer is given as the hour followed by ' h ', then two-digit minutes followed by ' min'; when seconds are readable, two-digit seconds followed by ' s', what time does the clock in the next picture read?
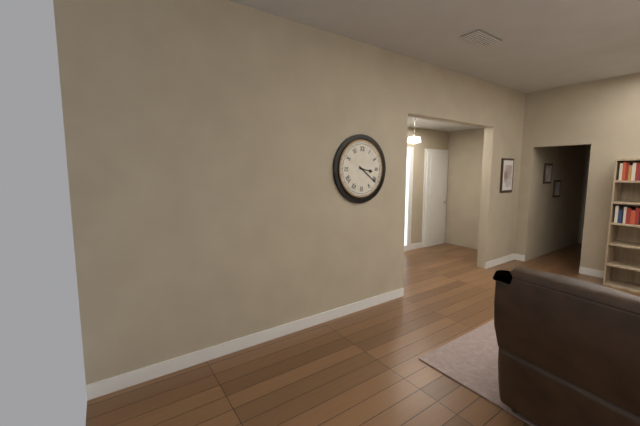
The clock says 3 h 21 min
